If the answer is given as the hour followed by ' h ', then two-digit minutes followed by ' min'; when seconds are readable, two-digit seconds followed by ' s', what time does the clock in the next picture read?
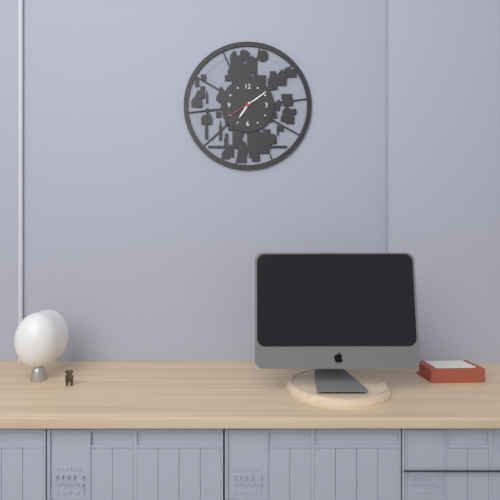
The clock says 7 h 09 min
